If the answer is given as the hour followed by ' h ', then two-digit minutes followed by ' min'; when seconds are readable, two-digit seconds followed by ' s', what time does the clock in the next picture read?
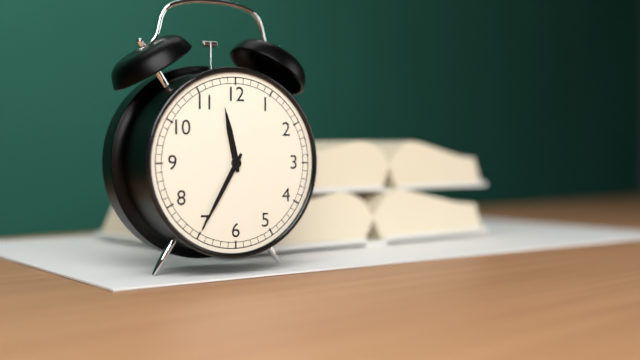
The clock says 11 h 35 min
